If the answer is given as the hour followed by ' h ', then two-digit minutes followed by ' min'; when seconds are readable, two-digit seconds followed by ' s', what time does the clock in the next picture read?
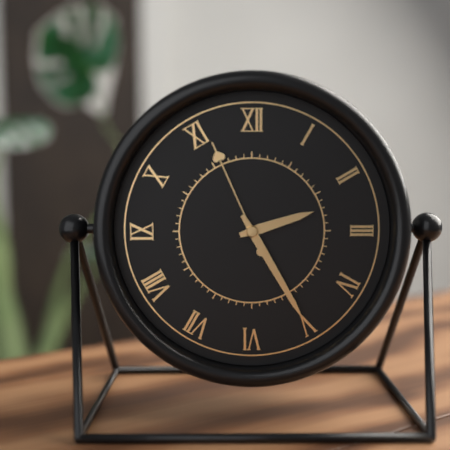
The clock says 2 h 25 min 56 s
